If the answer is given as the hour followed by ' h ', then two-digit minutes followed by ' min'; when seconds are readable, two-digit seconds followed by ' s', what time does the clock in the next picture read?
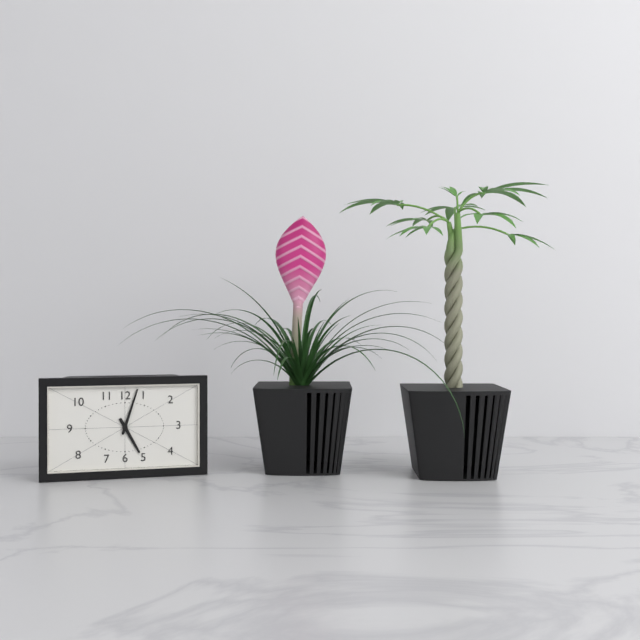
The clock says 5 h 03 min
